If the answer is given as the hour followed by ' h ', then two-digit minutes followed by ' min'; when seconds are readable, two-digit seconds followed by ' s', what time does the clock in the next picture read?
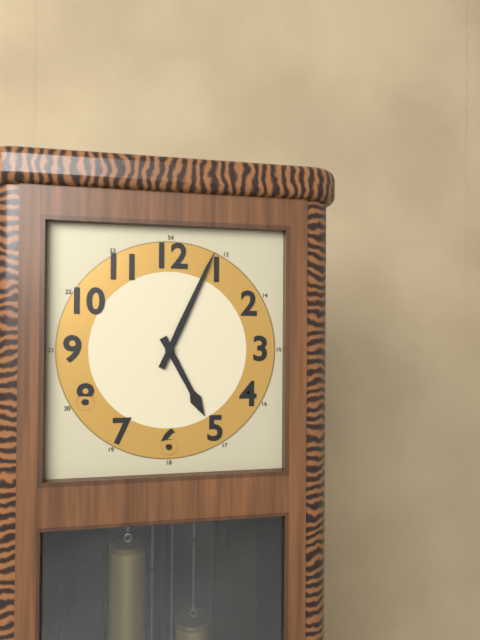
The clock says 5 h 04 min
